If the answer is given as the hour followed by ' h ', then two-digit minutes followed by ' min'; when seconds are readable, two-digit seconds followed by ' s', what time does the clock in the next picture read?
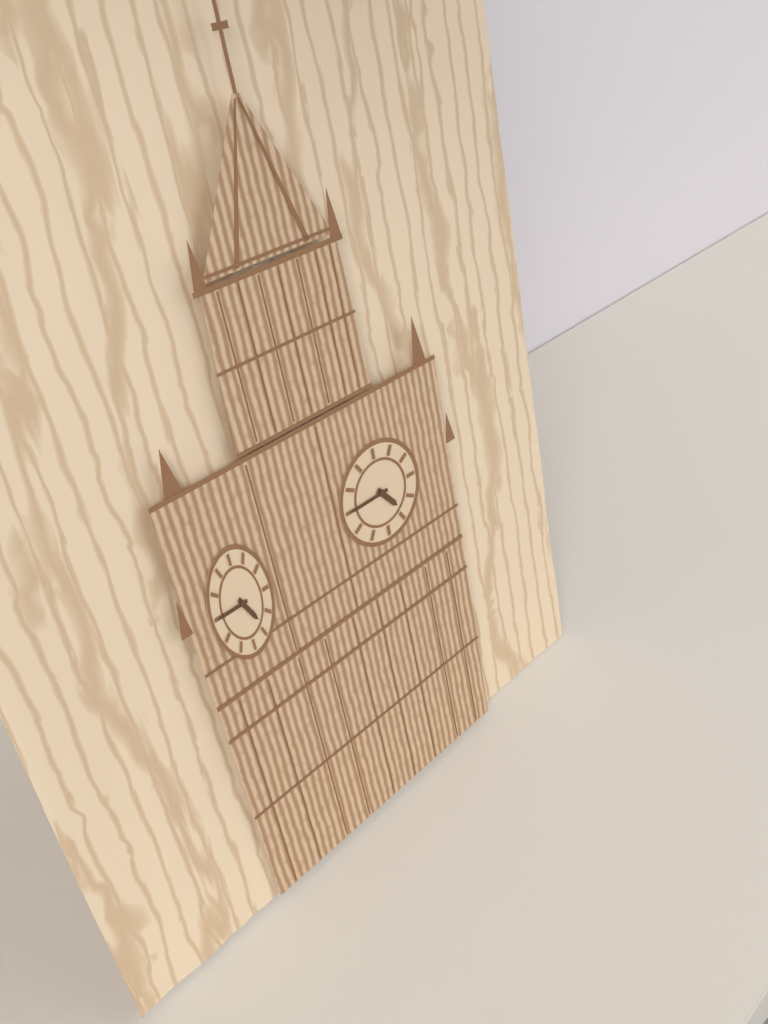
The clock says 4 h 45 min
